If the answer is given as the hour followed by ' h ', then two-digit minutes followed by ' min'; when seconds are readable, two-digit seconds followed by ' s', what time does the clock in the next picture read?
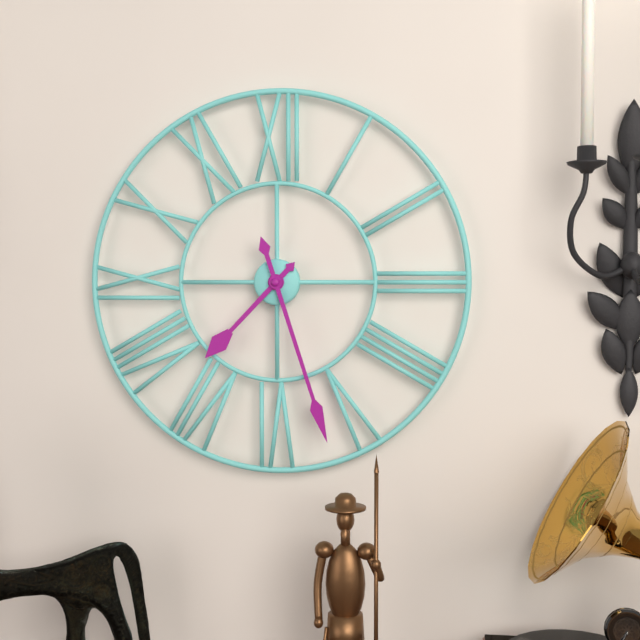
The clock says 7 h 27 min
